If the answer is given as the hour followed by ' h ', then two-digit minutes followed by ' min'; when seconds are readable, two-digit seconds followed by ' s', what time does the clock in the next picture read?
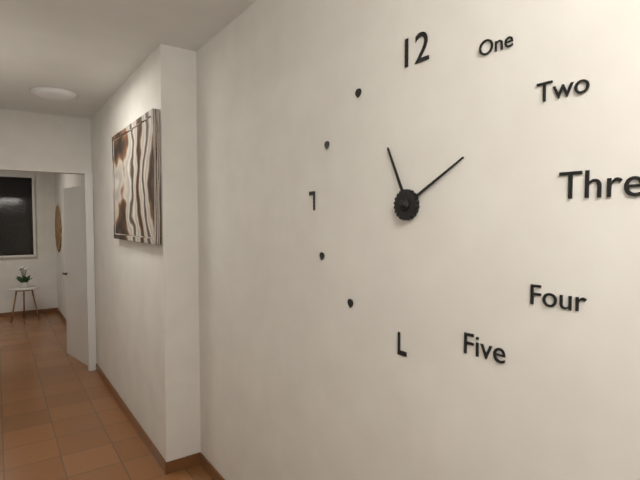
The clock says 11 h 10 min
